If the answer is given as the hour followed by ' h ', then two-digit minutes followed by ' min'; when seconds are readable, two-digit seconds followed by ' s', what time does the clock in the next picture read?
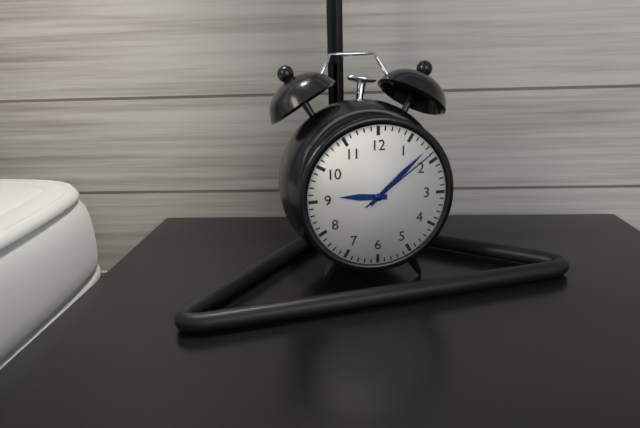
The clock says 9 h 08 min 09 s
